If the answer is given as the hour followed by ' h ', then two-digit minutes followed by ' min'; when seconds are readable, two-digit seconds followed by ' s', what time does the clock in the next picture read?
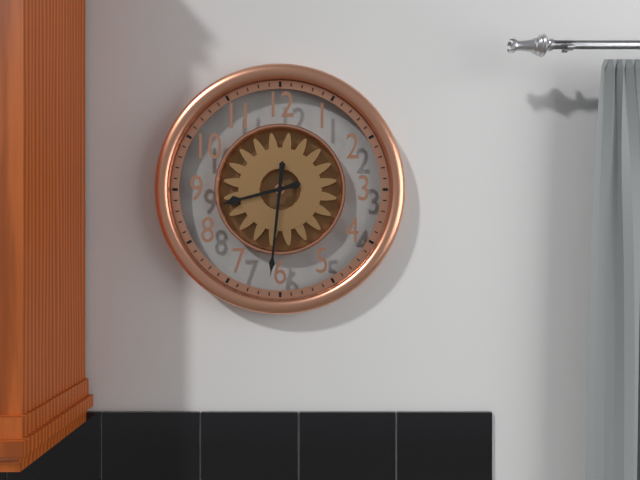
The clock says 8 h 31 min
